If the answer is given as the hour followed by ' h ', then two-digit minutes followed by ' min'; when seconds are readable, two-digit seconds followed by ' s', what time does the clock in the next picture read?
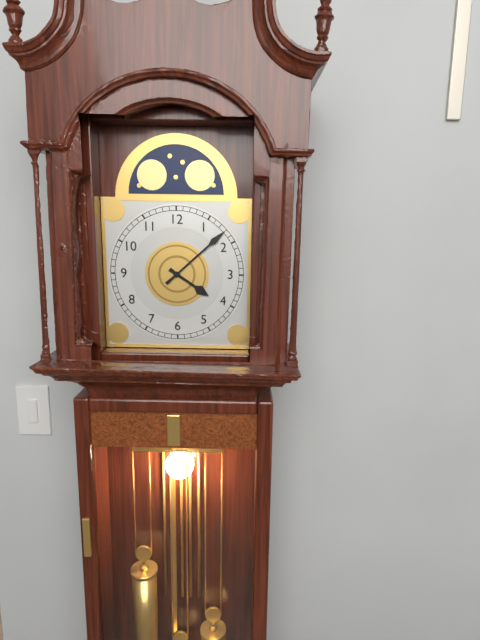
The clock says 4 h 08 min
